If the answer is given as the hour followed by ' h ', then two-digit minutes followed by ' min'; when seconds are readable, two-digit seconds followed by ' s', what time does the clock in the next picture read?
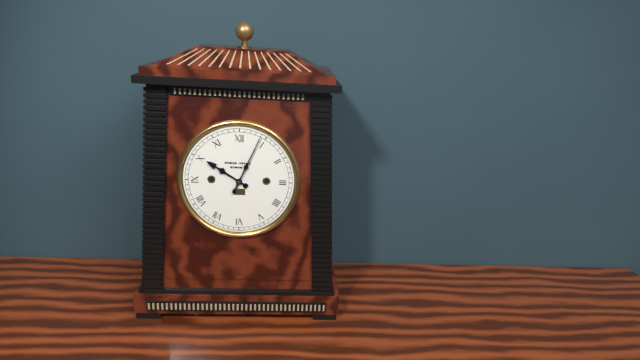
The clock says 10 h 04 min
